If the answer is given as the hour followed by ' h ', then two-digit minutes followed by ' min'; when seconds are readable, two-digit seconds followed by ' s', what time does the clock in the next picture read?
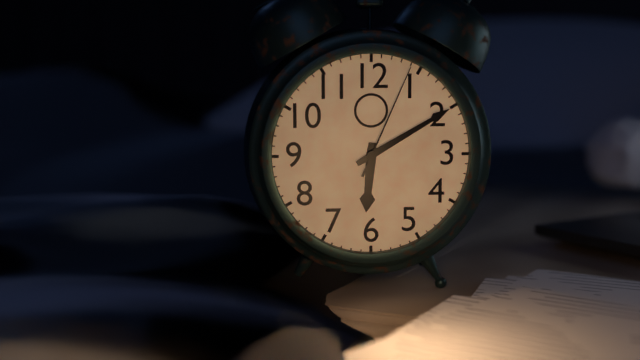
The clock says 6 h 10 min 04 s
